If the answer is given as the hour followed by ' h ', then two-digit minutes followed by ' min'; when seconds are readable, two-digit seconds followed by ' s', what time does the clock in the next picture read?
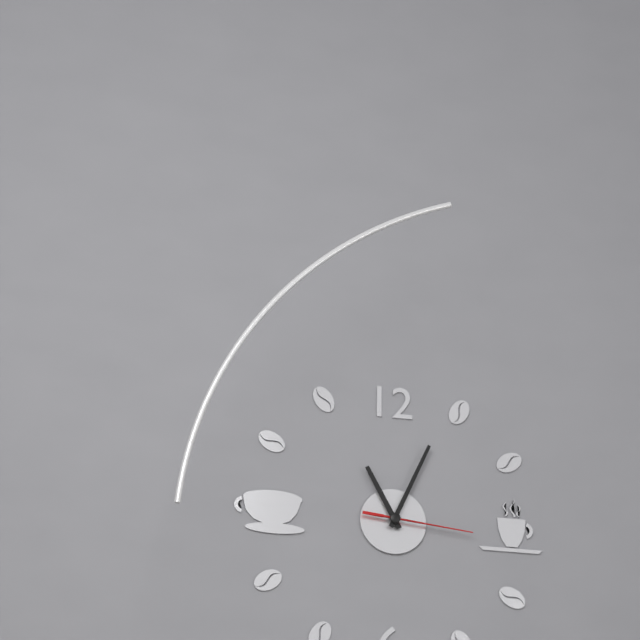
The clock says 11 h 04 min 16 s
